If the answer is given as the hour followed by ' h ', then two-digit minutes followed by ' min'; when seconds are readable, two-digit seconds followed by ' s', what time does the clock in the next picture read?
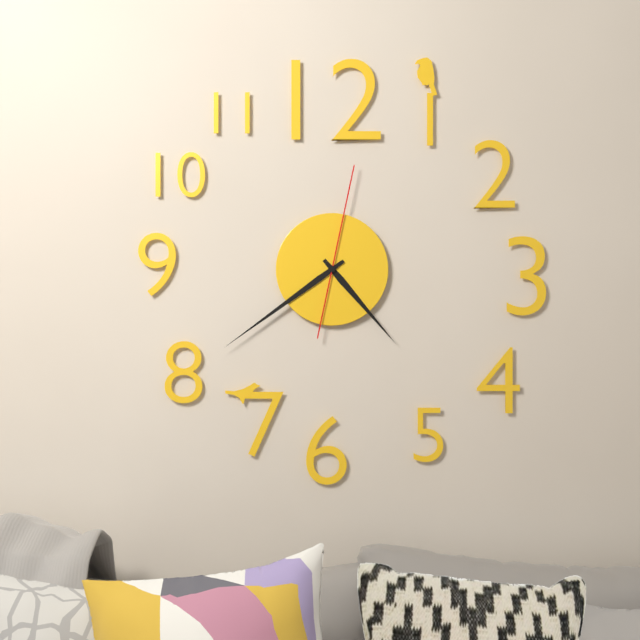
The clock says 4 h 39 min 02 s
